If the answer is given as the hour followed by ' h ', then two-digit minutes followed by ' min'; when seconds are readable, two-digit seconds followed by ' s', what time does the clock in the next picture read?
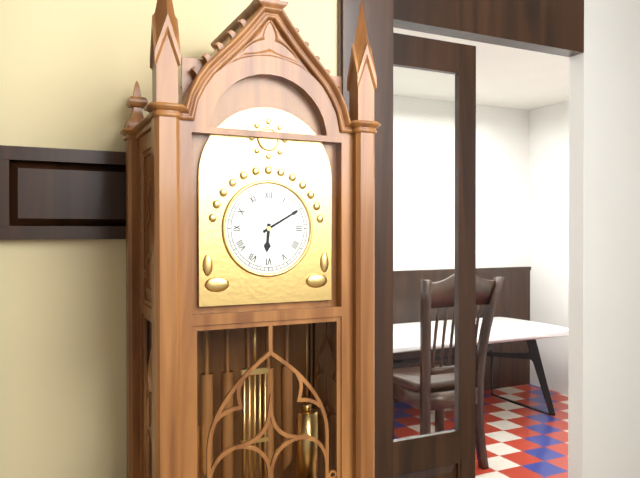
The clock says 6 h 10 min
